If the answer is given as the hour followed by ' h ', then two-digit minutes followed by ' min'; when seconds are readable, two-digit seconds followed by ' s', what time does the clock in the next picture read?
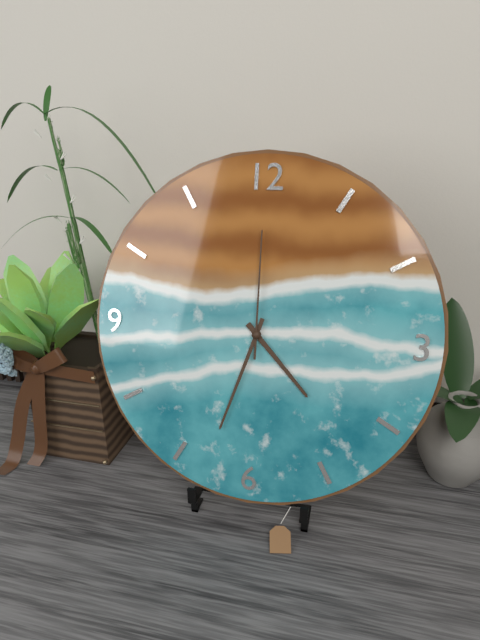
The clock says 4 h 33 min 00 s
